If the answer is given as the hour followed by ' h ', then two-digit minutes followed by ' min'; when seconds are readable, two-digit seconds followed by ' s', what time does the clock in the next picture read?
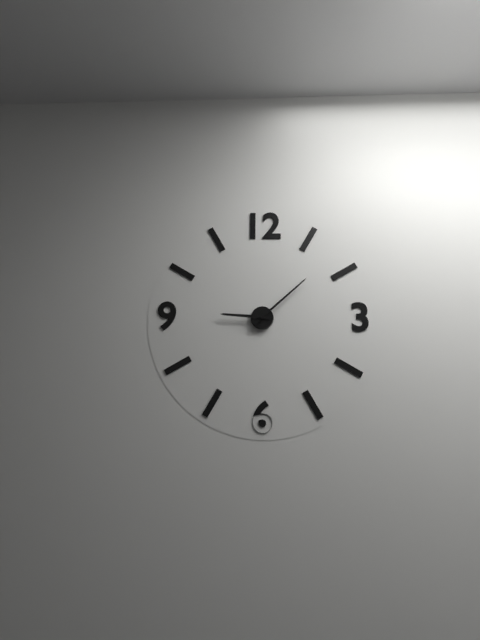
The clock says 9 h 08 min
